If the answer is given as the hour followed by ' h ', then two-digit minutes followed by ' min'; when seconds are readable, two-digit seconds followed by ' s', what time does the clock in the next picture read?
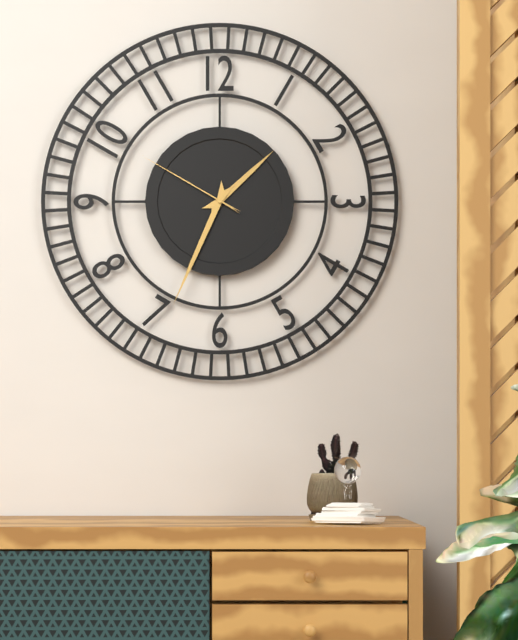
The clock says 1 h 34 min 50 s
